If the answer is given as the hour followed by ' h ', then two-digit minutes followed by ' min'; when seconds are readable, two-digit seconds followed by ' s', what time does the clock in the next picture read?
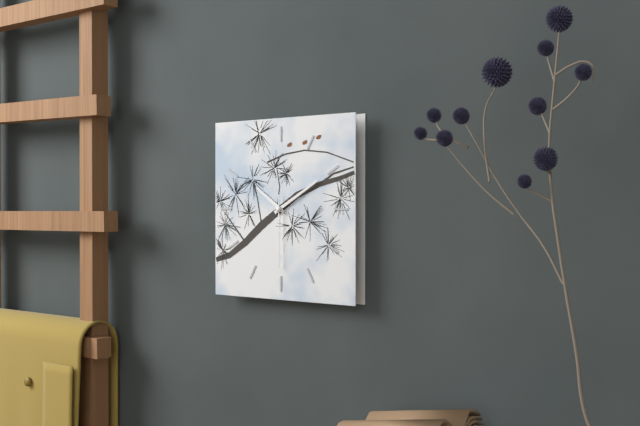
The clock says 10 h 10 min 30 s
